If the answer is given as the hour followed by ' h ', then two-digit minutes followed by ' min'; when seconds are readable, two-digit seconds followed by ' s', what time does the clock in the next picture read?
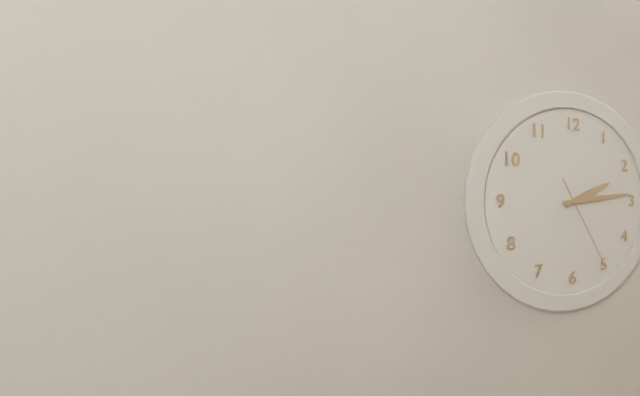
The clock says 2 h 14 min 25 s
